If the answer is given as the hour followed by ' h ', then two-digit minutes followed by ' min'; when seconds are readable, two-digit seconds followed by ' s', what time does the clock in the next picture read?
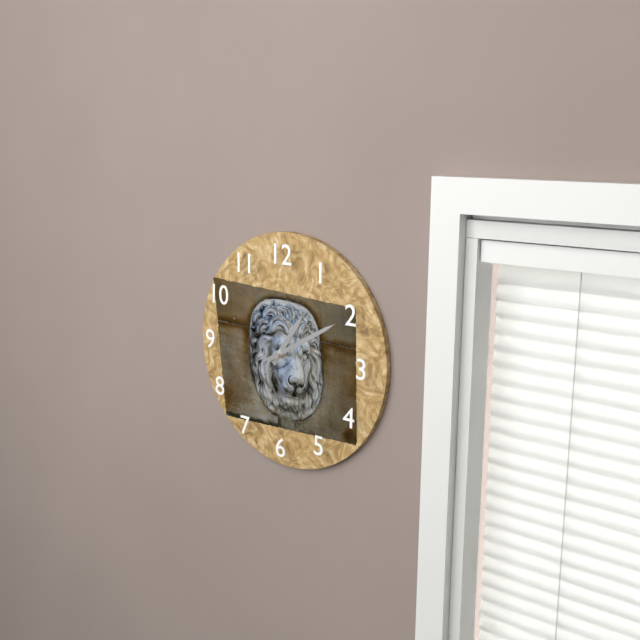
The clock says 1 h 10 min
